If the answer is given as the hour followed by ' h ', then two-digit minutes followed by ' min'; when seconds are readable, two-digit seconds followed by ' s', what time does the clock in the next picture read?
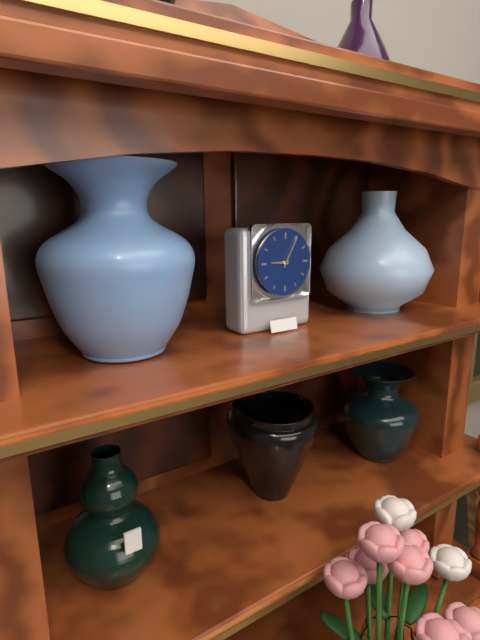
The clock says 9 h 05 min
